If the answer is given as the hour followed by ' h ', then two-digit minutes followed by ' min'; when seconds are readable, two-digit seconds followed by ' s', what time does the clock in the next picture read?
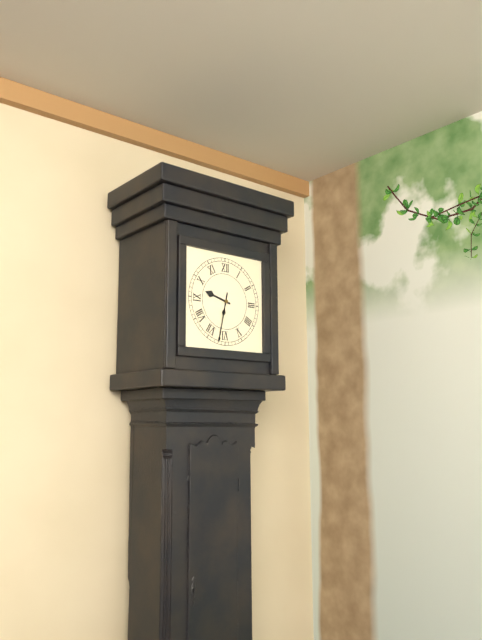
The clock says 9 h 32 min
